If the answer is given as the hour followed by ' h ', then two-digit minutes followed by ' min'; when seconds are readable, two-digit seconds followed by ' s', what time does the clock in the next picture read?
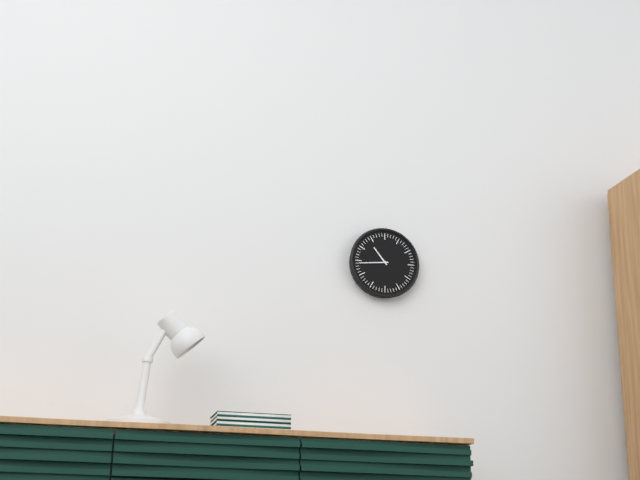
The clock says 10 h 44 min
